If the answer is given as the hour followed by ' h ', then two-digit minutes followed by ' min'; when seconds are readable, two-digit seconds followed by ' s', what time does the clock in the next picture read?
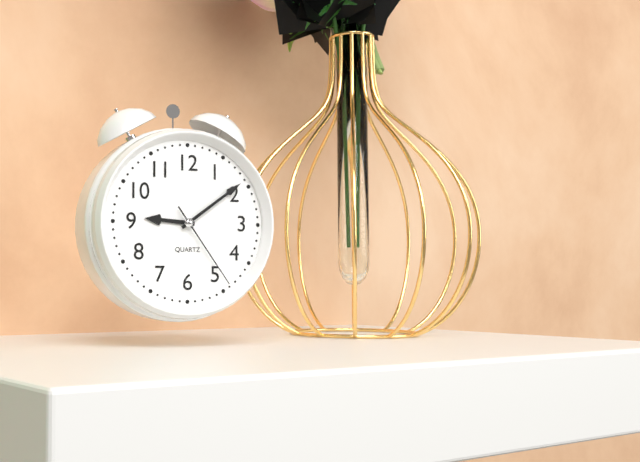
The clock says 9 h 09 min 24 s
